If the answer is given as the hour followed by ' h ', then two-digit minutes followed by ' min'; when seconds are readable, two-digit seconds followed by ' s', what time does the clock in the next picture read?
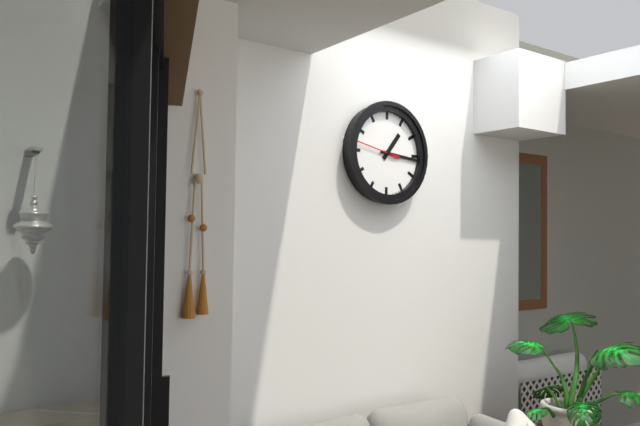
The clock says 1 h 16 min
